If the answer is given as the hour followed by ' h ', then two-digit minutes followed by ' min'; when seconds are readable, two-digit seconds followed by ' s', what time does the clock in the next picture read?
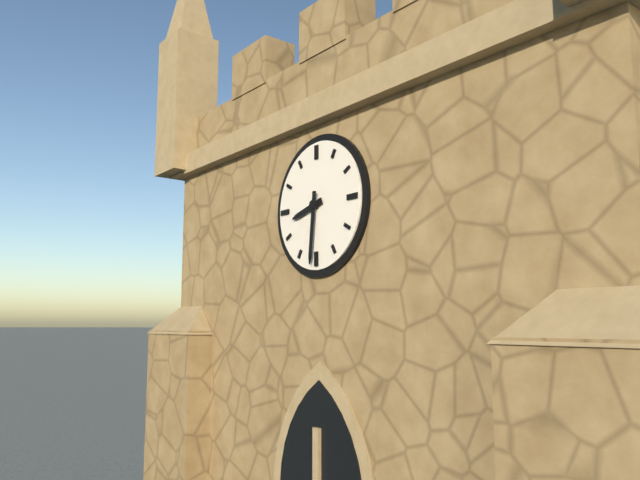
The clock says 8 h 31 min
